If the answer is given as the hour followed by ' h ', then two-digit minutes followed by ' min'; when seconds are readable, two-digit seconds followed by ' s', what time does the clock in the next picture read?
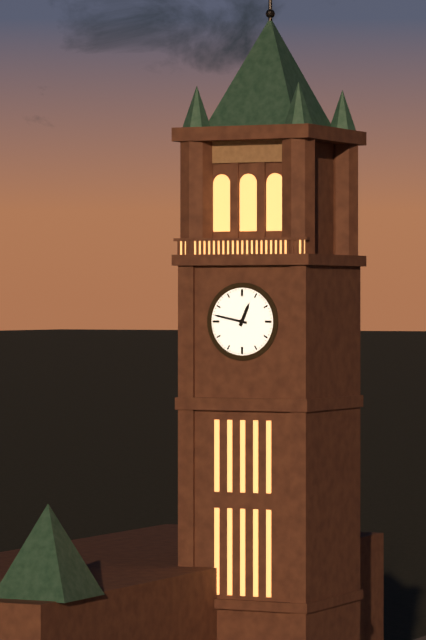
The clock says 12 h 47 min
